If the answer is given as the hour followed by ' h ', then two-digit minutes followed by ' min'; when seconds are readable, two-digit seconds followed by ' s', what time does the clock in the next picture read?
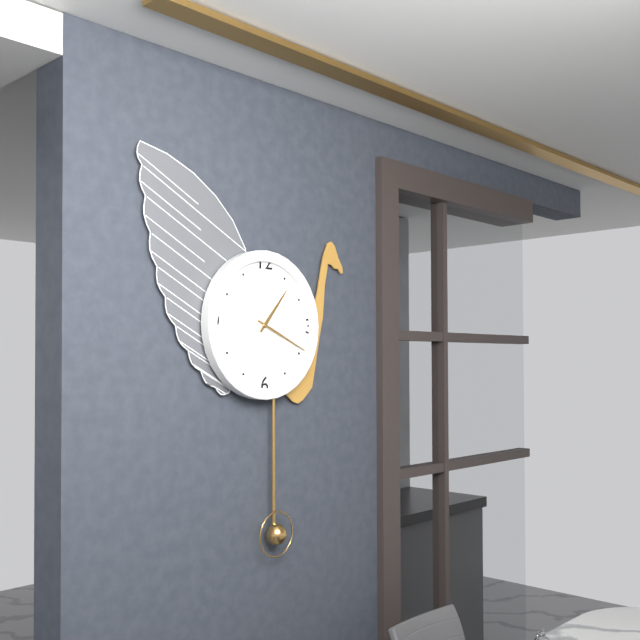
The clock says 1 h 19 min
